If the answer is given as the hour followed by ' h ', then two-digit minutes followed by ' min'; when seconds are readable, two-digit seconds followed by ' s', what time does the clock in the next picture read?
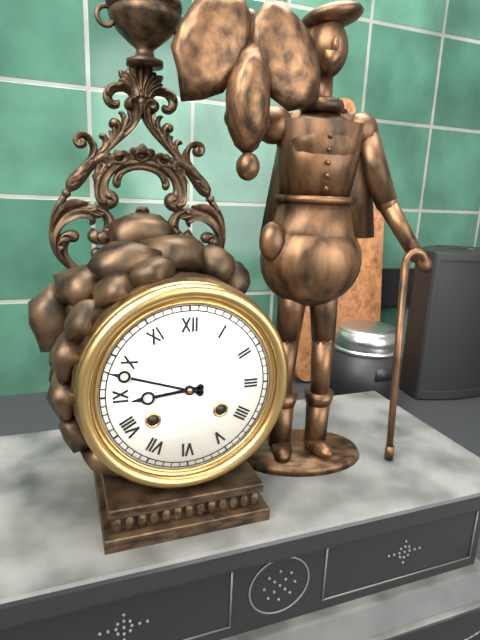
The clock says 8 h 48 min
